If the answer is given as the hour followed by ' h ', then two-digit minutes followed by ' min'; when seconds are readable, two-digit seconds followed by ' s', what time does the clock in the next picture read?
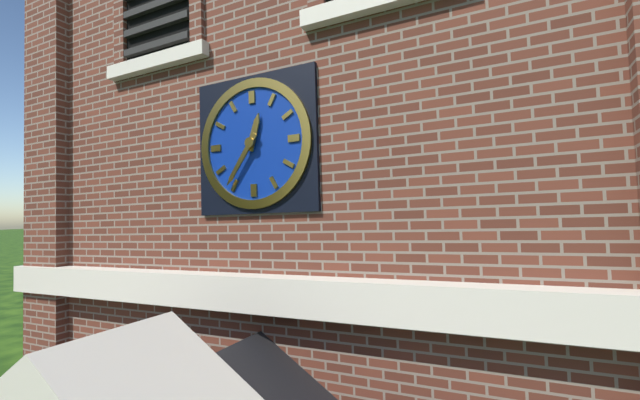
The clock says 12 h 36 min
